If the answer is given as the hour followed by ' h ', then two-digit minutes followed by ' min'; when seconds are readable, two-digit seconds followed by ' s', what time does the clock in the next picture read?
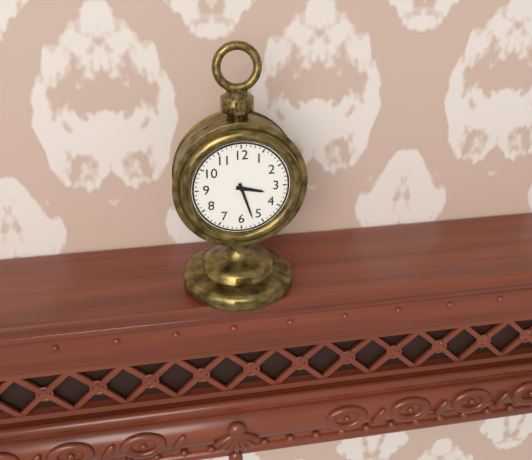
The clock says 3 h 27 min
